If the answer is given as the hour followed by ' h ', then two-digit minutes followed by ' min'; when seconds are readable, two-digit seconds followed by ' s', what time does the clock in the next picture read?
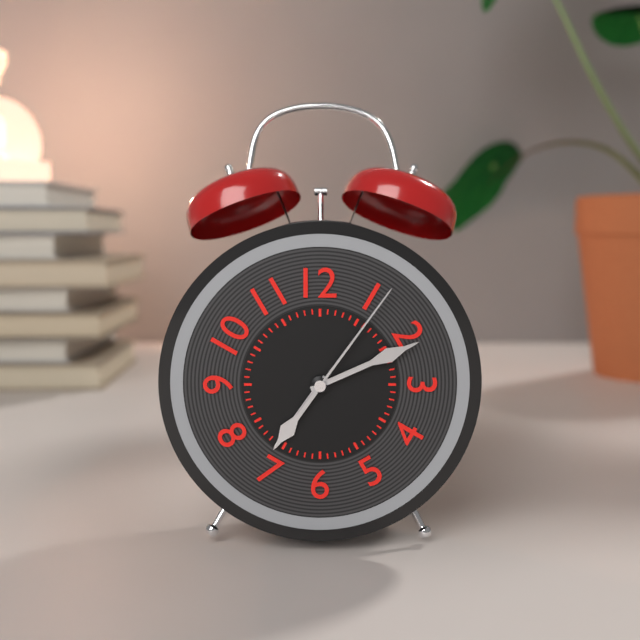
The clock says 7 h 11 min 06 s
